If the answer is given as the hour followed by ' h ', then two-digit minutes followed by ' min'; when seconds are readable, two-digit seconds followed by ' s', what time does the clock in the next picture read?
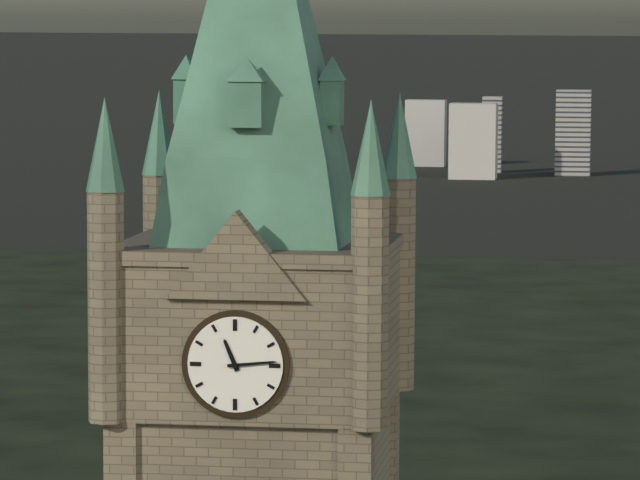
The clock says 11 h 14 min
